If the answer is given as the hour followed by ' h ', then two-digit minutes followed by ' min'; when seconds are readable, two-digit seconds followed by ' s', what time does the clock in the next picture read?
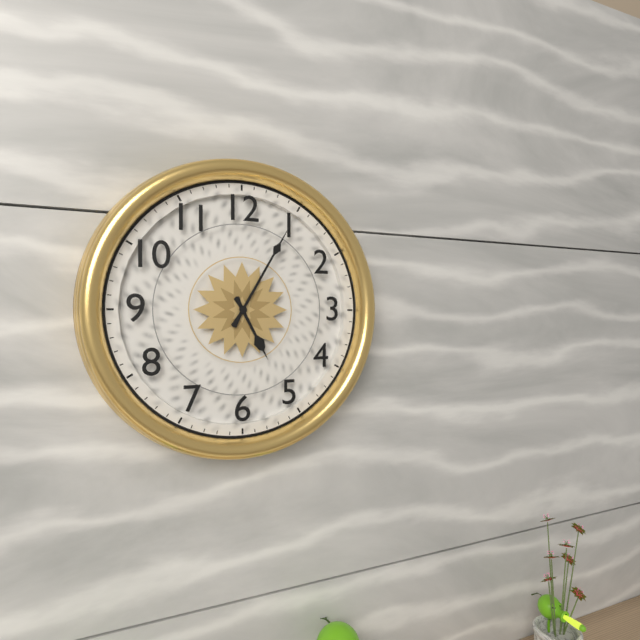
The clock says 5 h 05 min
